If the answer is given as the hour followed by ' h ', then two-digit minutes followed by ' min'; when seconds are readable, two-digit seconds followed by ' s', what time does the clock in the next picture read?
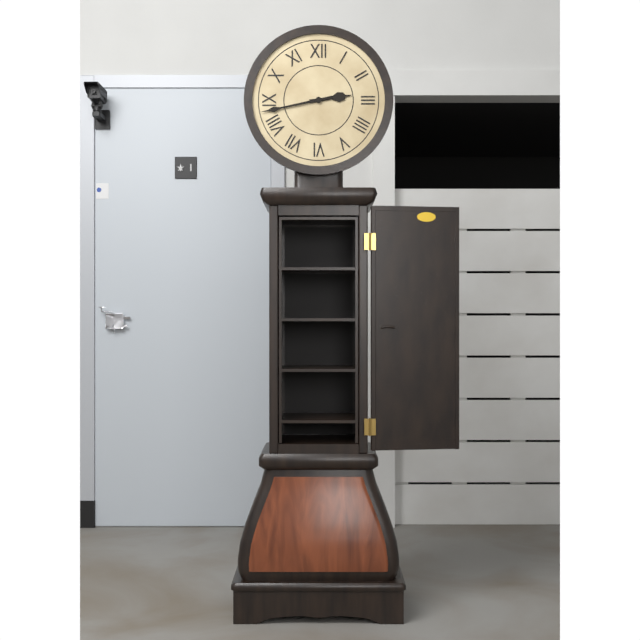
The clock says 2 h 43 min
